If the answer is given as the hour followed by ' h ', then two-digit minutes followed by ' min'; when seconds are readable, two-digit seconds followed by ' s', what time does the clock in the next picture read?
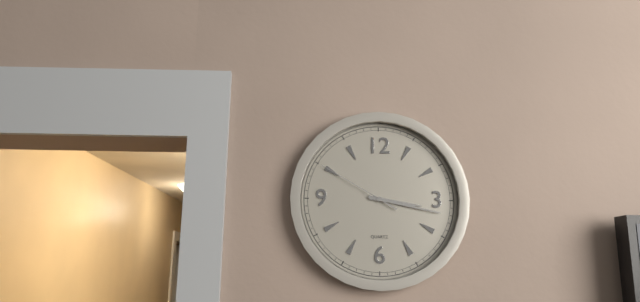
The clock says 3 h 17 min 50 s
